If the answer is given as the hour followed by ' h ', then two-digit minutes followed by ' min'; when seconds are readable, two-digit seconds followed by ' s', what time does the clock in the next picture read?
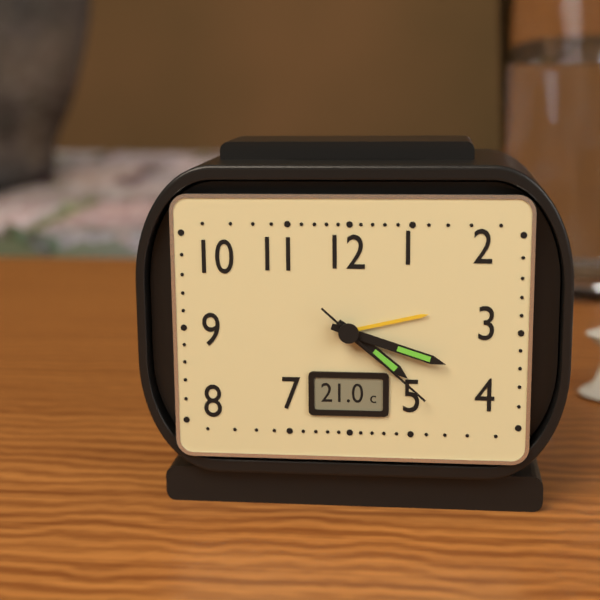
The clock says 4 h 18 min 22 s
